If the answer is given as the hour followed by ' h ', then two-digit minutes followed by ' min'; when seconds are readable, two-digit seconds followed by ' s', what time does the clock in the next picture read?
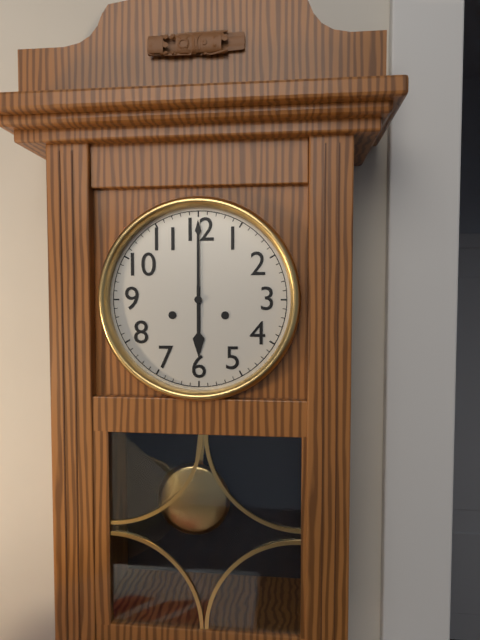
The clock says 6 h 00 min
